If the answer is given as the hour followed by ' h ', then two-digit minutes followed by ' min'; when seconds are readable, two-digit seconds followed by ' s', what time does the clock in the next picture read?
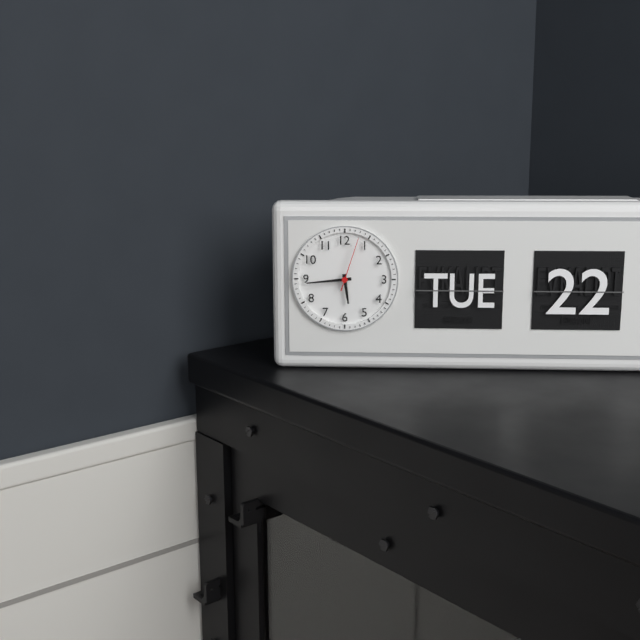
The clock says 5 h 44 min 03 s
